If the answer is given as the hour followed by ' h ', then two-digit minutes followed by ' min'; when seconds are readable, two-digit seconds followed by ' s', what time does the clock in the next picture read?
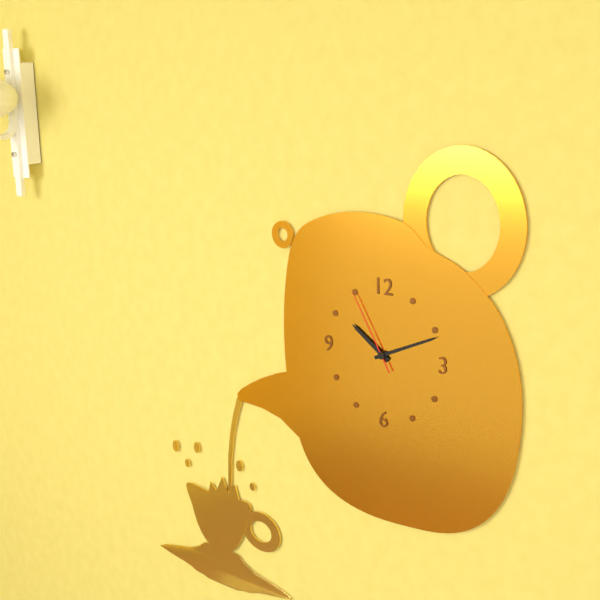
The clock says 10 h 11 min 55 s
